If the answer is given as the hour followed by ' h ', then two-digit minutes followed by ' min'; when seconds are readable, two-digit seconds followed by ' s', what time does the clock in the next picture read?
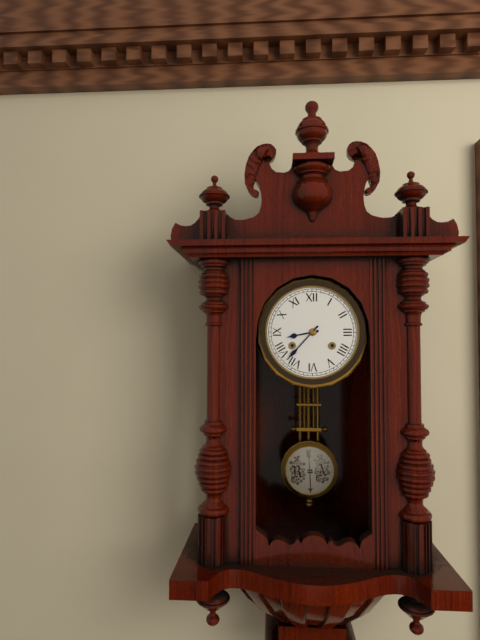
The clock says 8 h 37 min
